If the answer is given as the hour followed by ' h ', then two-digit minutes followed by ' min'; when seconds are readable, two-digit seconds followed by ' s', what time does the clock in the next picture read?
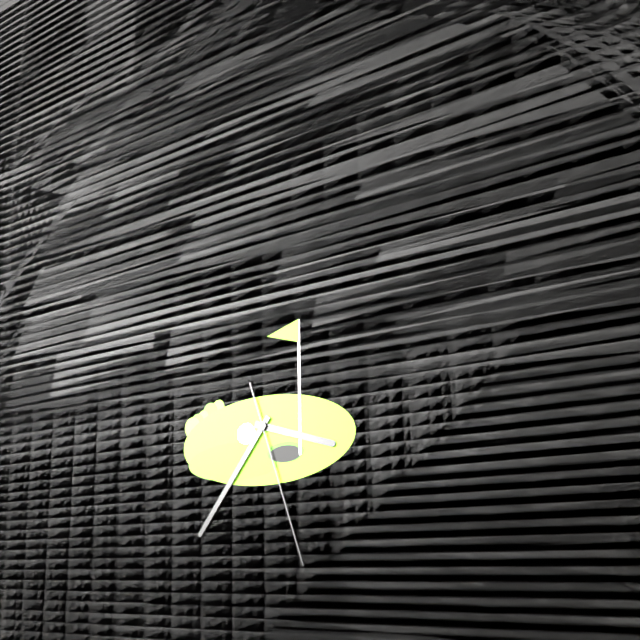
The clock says 3 h 36 min 27 s
